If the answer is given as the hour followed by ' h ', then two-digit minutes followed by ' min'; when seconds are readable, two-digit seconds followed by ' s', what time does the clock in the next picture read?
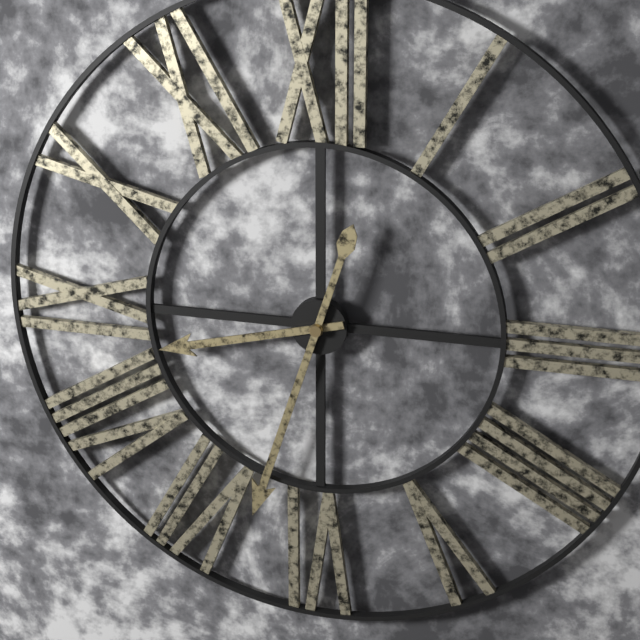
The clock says 8 h 33 min
